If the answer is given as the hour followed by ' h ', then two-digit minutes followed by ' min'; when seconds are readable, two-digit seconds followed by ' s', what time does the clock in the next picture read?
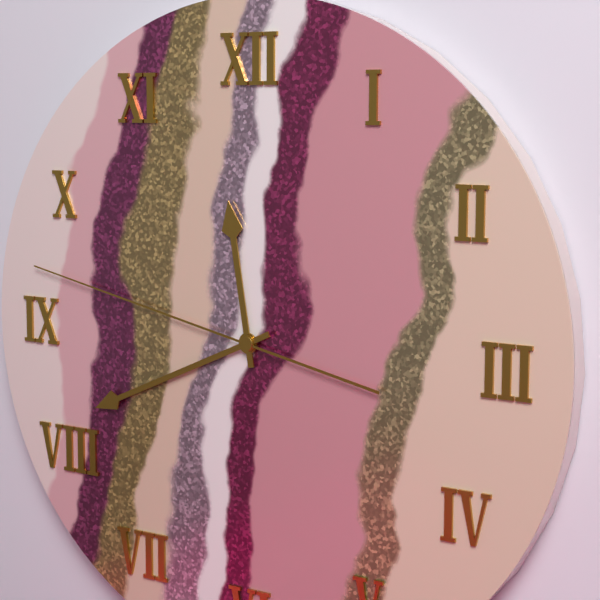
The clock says 11 h 41 min 47 s
